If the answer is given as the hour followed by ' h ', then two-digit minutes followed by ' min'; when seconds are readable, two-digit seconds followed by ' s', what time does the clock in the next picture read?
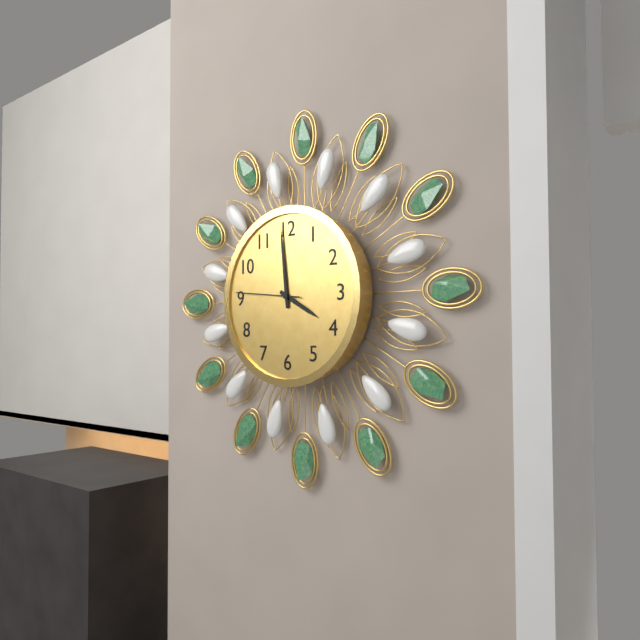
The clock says 3 h 59 min 46 s
